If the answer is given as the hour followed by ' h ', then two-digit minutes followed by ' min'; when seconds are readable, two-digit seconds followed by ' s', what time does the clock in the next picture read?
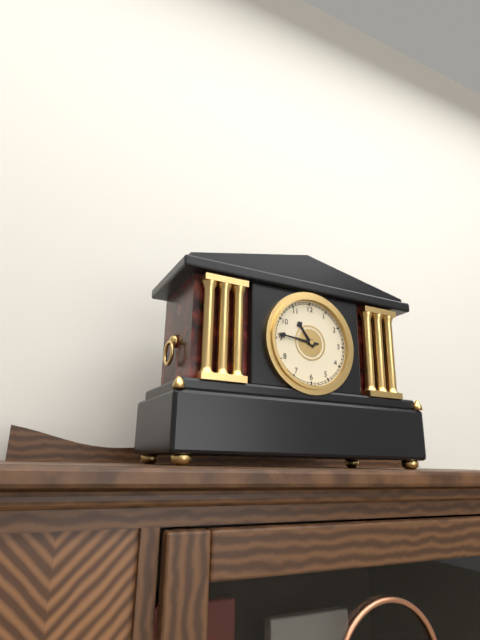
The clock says 10 h 46 min
